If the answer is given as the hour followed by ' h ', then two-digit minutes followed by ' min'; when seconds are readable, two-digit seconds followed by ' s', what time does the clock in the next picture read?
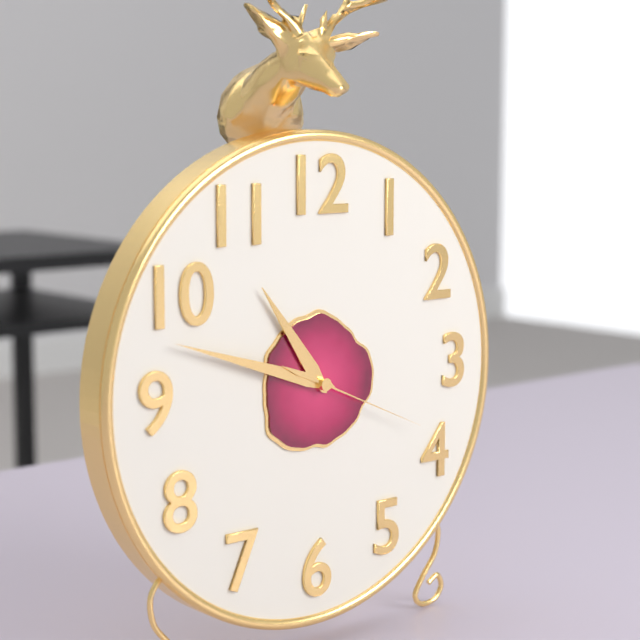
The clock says 10 h 48 min 19 s
